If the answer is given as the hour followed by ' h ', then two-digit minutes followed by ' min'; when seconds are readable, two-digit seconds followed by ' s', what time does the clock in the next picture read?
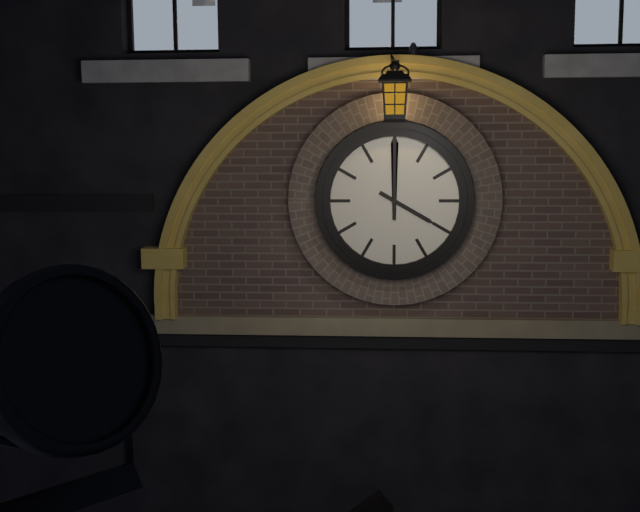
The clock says 4 h 00 min
